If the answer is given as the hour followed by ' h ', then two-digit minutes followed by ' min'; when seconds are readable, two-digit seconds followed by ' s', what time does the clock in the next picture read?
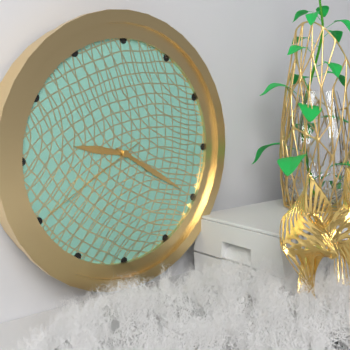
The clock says 9 h 20 min 40 s
